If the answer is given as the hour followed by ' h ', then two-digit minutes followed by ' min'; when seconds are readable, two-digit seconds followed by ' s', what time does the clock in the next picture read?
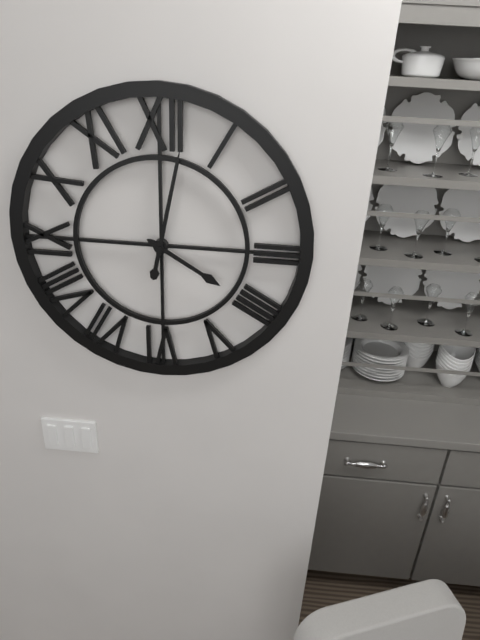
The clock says 4 h 02 min
